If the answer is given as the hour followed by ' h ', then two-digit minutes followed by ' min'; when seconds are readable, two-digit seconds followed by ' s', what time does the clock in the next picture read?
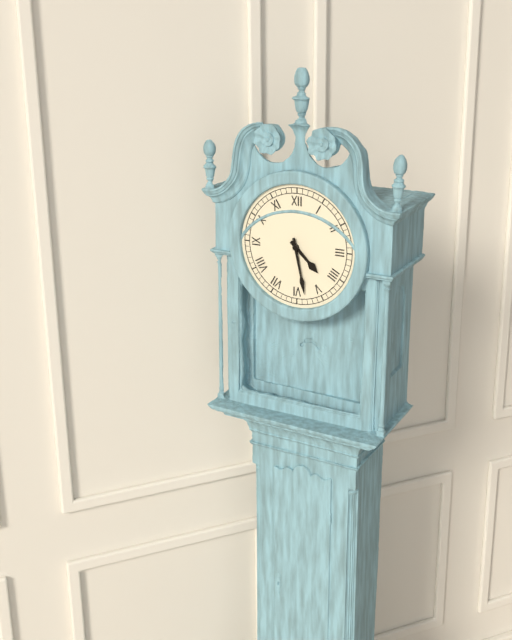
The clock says 4 h 28 min
